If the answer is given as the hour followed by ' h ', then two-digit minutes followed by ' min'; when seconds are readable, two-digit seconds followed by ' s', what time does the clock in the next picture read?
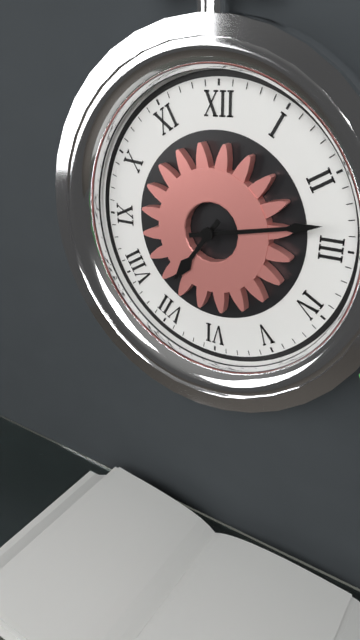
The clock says 7 h 13 min
